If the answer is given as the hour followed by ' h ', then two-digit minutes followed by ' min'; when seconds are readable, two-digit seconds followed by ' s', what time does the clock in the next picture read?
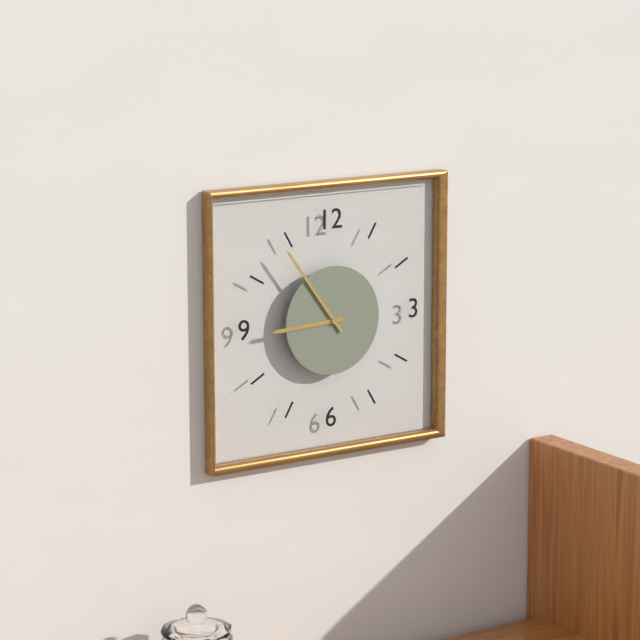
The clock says 8 h 54 min
